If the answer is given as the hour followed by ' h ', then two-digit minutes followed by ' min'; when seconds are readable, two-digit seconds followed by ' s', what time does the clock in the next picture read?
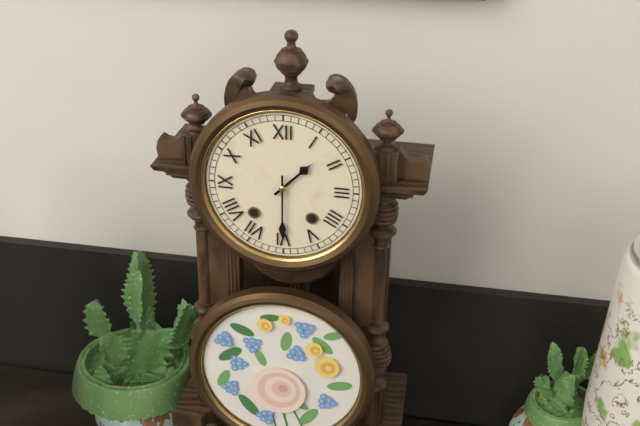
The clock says 1 h 30 min
